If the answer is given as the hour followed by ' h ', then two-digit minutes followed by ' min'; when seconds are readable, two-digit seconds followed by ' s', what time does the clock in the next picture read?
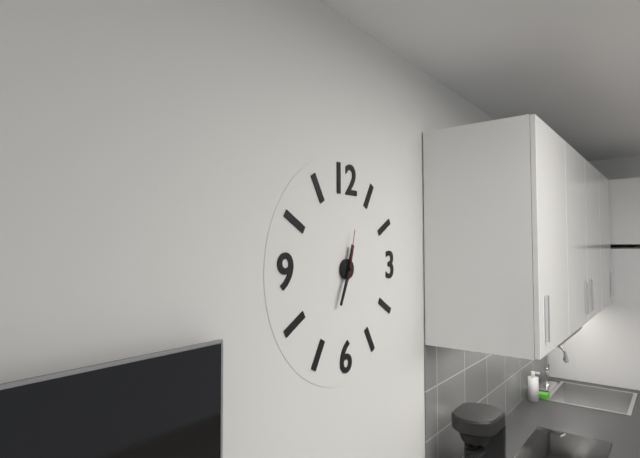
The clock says 12 h 34 min 02 s
